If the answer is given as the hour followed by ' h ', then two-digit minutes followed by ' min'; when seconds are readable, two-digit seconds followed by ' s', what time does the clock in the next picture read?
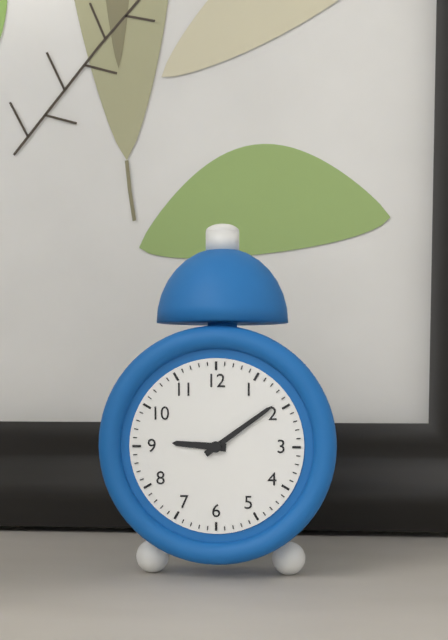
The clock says 9 h 09 min
